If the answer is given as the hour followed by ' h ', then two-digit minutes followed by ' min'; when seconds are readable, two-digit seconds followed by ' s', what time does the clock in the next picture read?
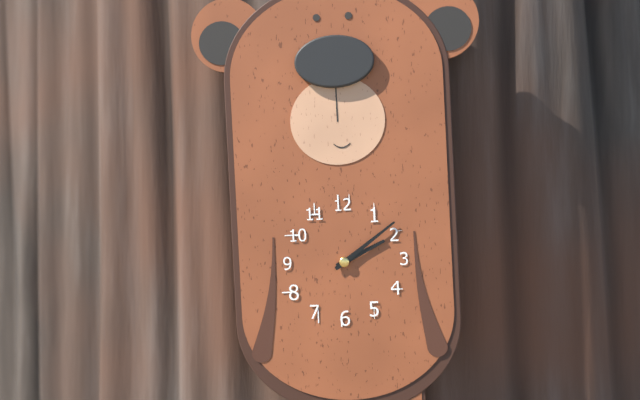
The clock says 2 h 09 min
